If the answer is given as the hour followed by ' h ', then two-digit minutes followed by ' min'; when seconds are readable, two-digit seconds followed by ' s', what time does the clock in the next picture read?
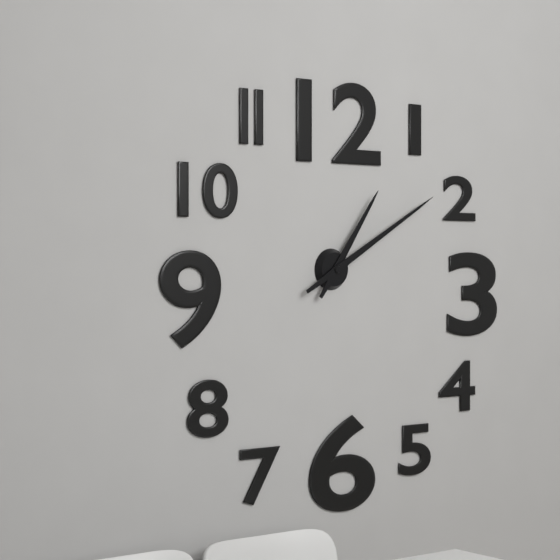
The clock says 1 h 10 min
